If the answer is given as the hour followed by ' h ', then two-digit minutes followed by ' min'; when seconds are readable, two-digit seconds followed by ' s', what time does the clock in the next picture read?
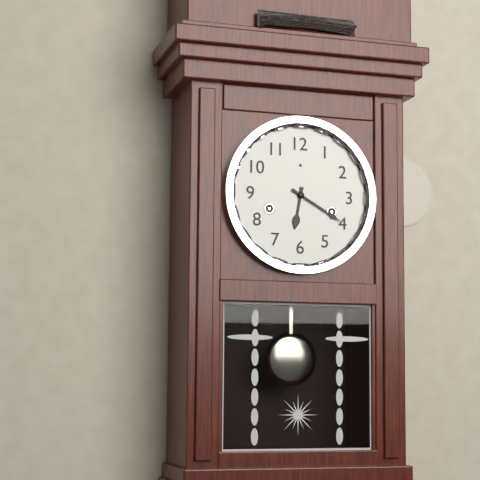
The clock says 6 h 20 min
